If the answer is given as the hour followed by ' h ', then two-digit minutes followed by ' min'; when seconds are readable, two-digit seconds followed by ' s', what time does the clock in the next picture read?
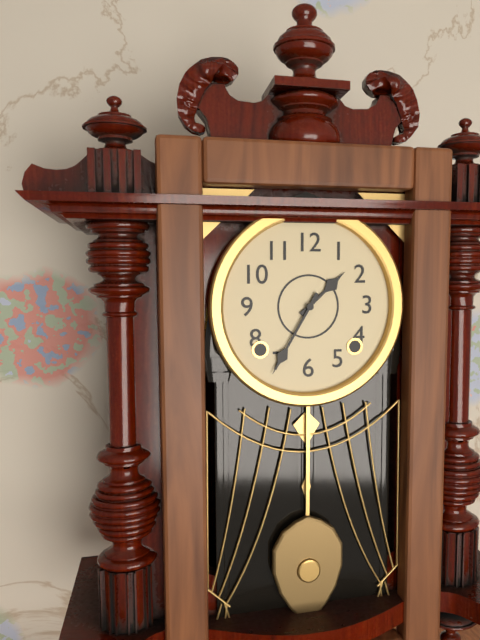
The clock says 1 h 35 min
